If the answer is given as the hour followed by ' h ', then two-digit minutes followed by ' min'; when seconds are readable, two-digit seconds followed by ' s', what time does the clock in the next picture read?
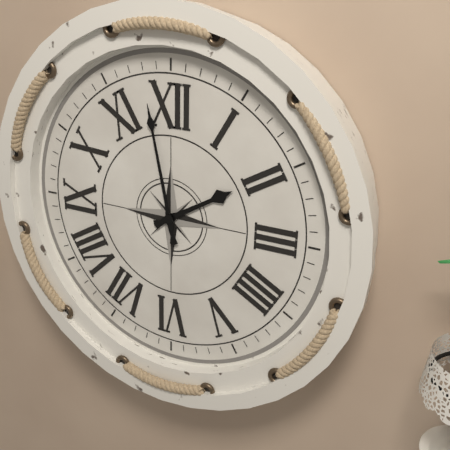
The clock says 1 h 58 min
